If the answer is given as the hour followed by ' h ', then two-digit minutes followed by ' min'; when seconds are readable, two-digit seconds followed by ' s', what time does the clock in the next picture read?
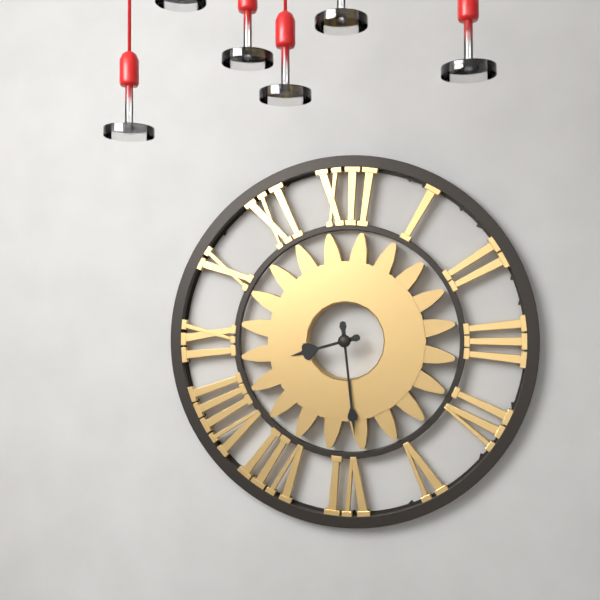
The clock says 8 h 29 min
